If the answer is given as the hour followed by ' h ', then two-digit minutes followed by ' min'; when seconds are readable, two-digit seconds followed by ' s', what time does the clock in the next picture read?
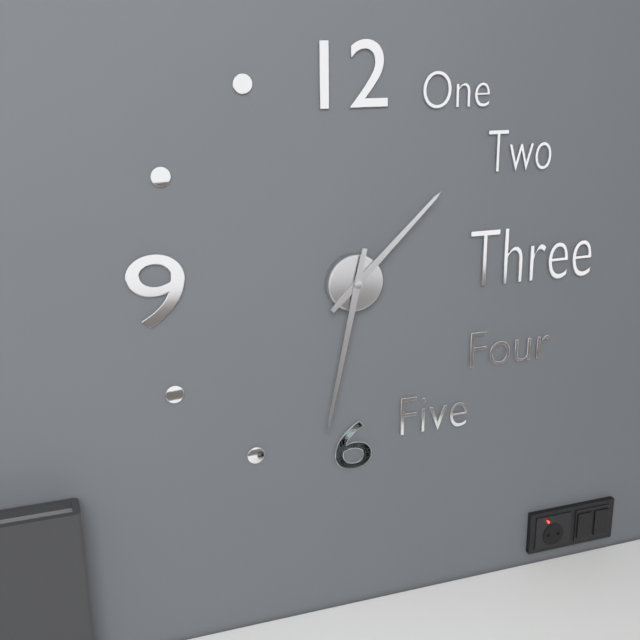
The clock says 1 h 32 min
